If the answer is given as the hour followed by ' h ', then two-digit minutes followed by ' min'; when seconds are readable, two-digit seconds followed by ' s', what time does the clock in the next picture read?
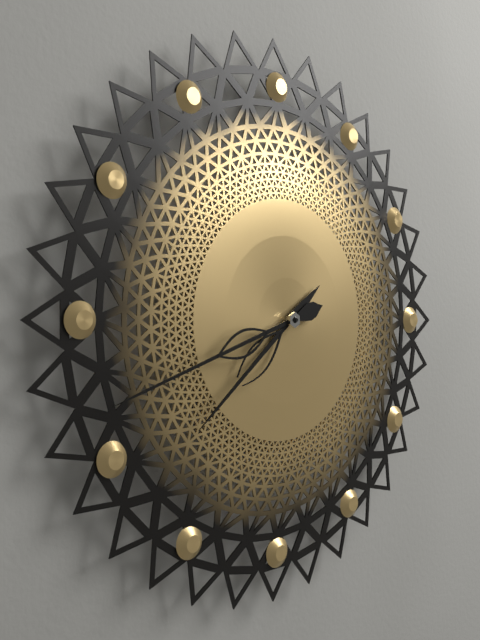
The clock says 7 h 42 min
